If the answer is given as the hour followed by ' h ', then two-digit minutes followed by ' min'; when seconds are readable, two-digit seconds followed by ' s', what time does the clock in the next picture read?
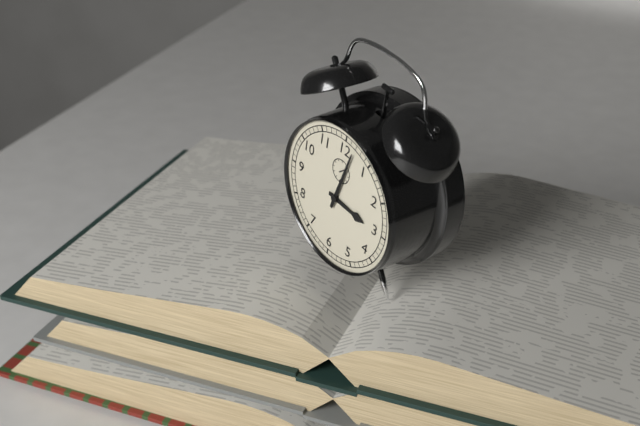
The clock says 3 h 02 min
